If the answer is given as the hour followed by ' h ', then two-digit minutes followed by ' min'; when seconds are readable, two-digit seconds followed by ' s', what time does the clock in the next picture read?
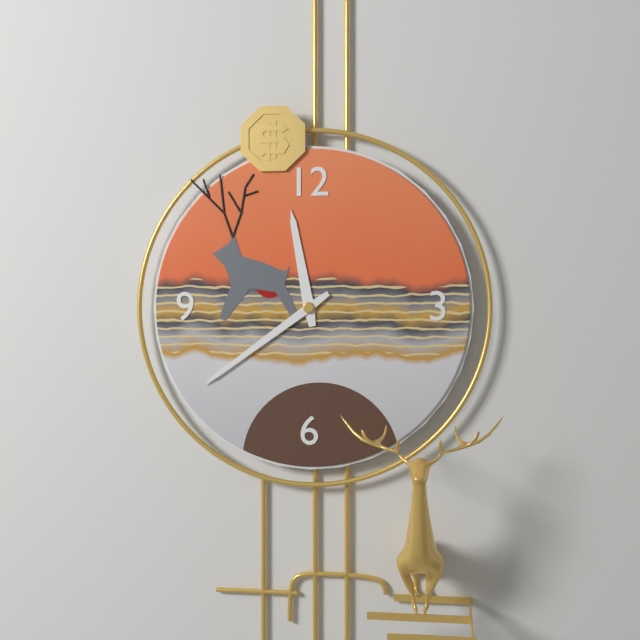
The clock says 11 h 39 min
